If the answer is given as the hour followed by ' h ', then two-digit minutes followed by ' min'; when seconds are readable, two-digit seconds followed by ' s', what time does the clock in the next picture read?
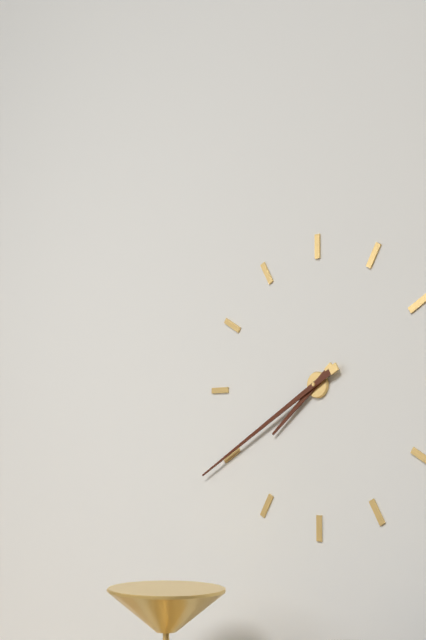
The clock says 7 h 40 min
